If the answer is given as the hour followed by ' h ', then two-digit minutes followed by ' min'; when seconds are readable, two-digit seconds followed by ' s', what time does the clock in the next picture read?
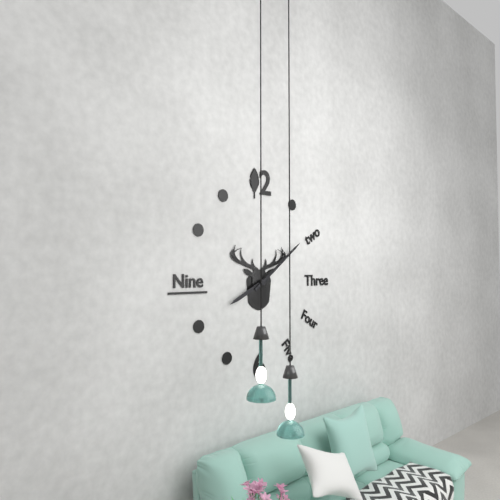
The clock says 8 h 09 min
